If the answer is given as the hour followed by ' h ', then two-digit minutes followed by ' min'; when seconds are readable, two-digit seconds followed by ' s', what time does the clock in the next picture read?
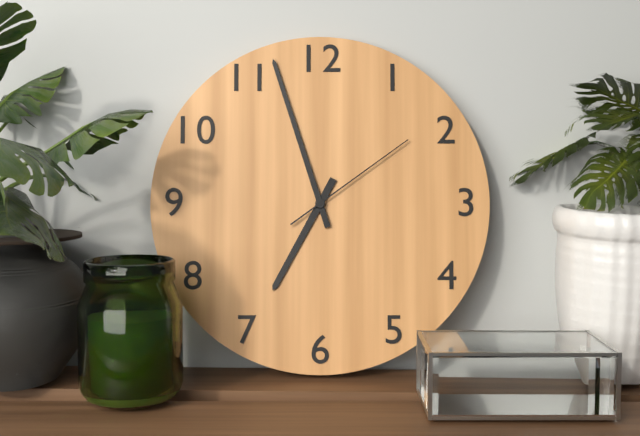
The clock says 6 h 57 min 09 s
